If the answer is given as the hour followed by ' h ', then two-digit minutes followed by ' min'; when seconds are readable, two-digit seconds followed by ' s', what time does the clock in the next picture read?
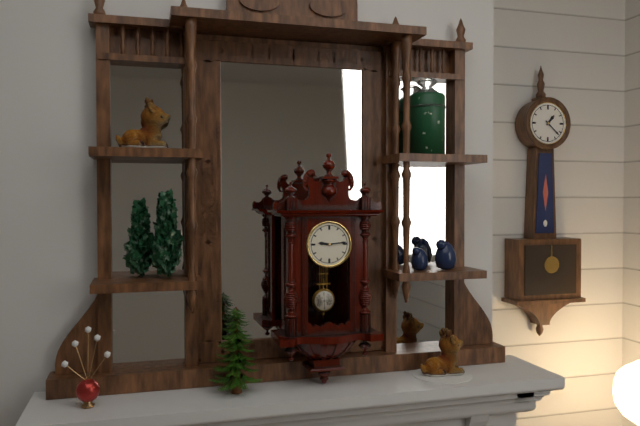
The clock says 9 h 14 min
